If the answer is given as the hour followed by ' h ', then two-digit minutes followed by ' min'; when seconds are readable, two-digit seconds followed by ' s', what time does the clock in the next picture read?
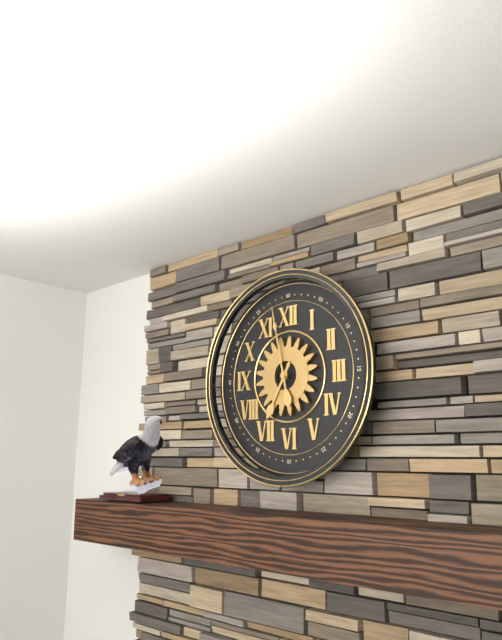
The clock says 6 h 58 min
